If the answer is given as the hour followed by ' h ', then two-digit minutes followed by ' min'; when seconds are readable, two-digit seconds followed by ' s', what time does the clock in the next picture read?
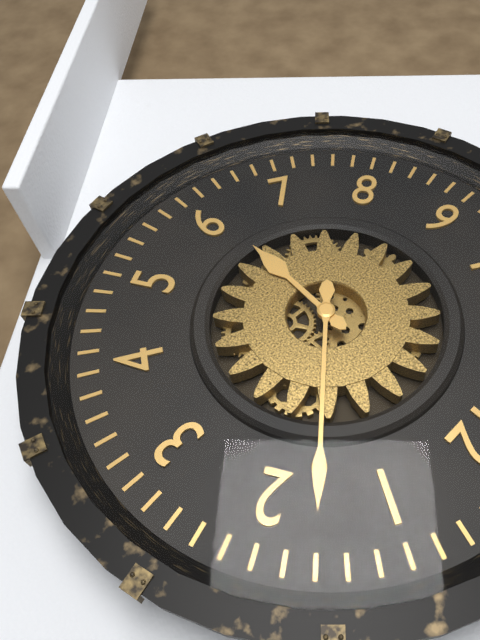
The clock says 6 h 08 min
